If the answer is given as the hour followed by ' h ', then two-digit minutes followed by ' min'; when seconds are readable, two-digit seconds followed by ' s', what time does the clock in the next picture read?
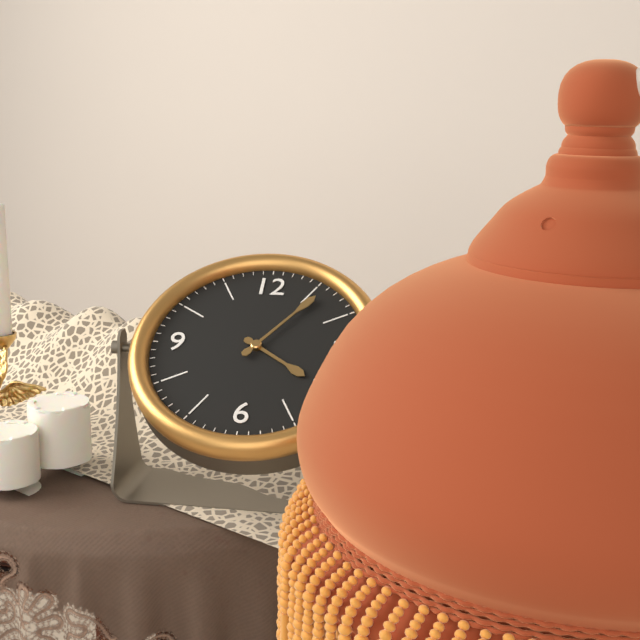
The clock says 4 h 06 min
